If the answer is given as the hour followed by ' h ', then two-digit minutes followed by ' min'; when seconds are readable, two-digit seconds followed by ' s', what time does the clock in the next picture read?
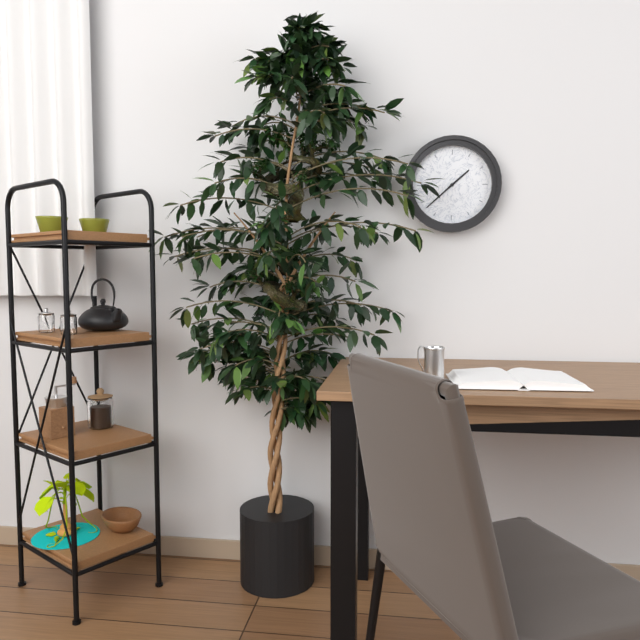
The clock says 1 h 38 min
